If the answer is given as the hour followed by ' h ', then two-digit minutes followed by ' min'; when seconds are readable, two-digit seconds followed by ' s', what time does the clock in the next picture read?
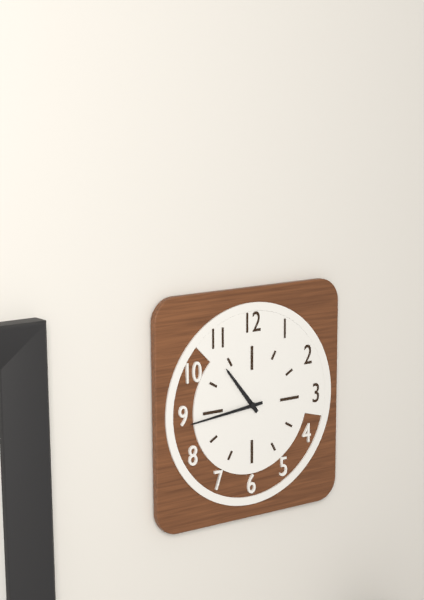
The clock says 10 h 44 min
